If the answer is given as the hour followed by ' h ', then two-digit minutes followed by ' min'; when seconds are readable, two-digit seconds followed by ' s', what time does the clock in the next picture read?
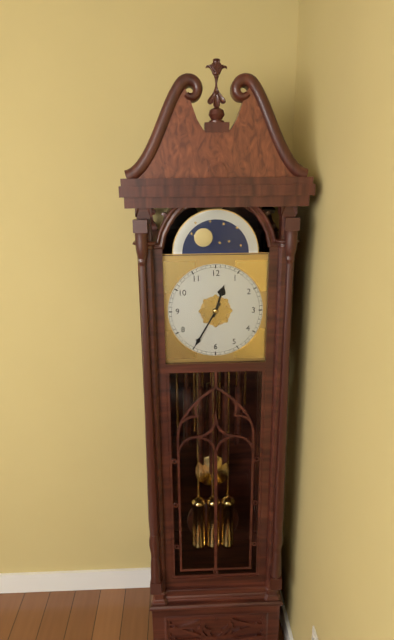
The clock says 12 h 35 min
